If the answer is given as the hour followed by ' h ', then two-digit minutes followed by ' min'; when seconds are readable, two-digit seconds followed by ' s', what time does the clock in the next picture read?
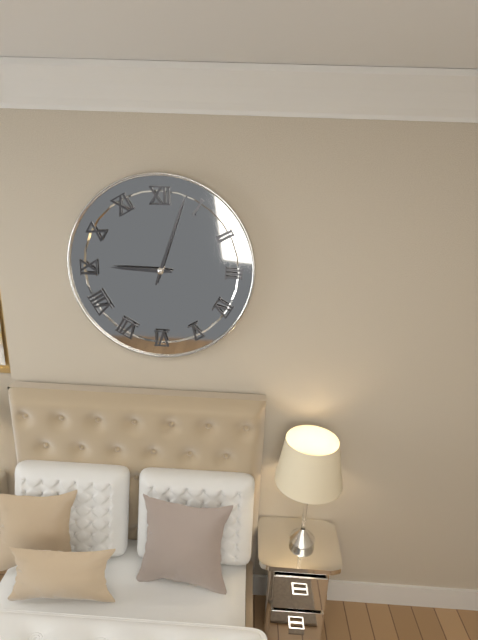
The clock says 9 h 03 min
